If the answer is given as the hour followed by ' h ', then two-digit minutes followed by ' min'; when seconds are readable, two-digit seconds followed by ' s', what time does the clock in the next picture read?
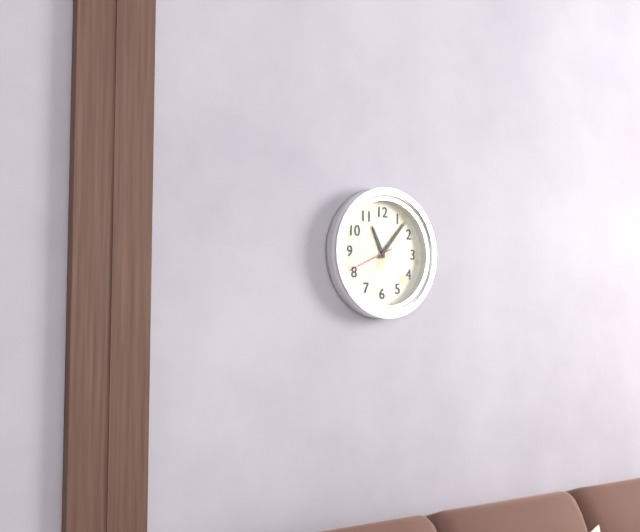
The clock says 11 h 07 min 41 s
